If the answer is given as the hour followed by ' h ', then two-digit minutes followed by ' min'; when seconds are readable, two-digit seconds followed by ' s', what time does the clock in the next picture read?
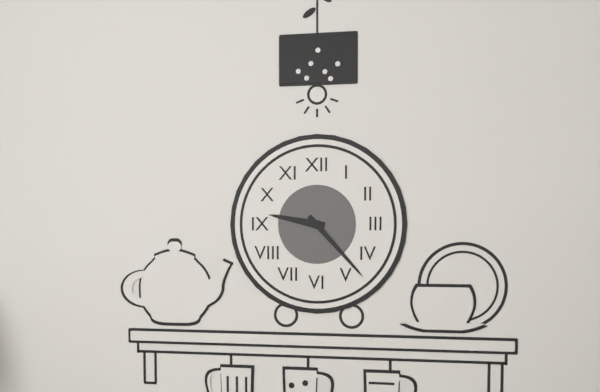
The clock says 9 h 23 min
